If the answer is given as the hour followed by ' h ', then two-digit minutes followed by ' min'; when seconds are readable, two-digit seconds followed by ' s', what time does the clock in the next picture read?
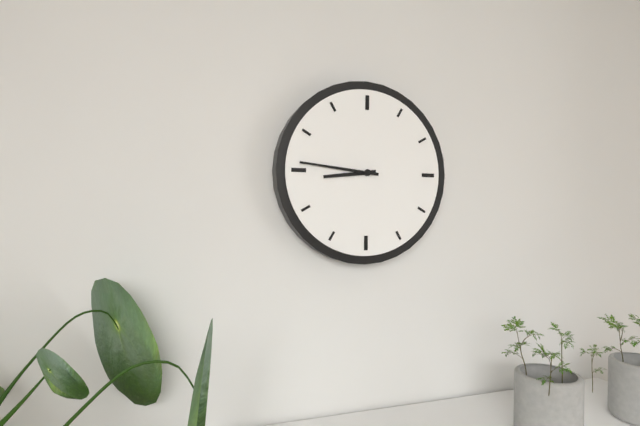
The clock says 8 h 46 min
